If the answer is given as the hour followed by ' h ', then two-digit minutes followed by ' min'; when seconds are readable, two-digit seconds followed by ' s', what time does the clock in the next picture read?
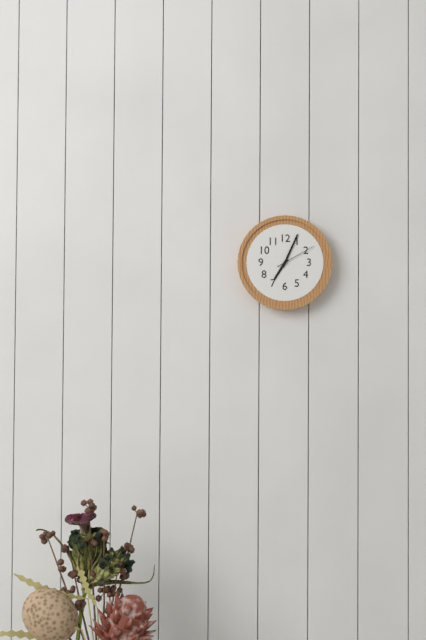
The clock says 7 h 04 min
